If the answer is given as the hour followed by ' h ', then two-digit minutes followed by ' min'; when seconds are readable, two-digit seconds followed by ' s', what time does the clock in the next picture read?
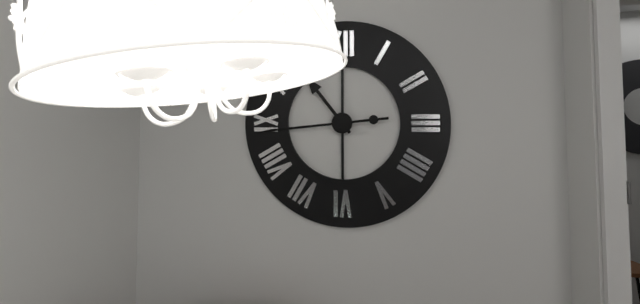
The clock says 10 h 44 min
